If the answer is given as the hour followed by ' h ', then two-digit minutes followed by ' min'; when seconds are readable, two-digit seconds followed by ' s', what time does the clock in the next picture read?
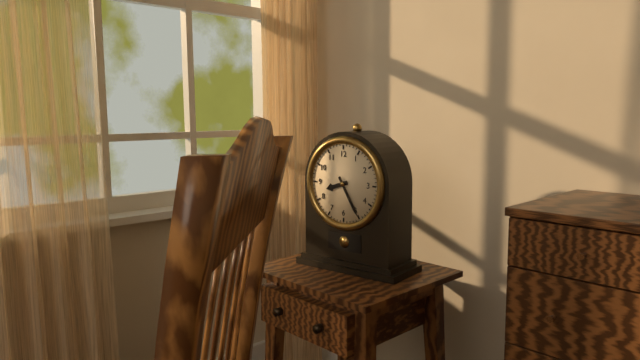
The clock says 8 h 25 min
